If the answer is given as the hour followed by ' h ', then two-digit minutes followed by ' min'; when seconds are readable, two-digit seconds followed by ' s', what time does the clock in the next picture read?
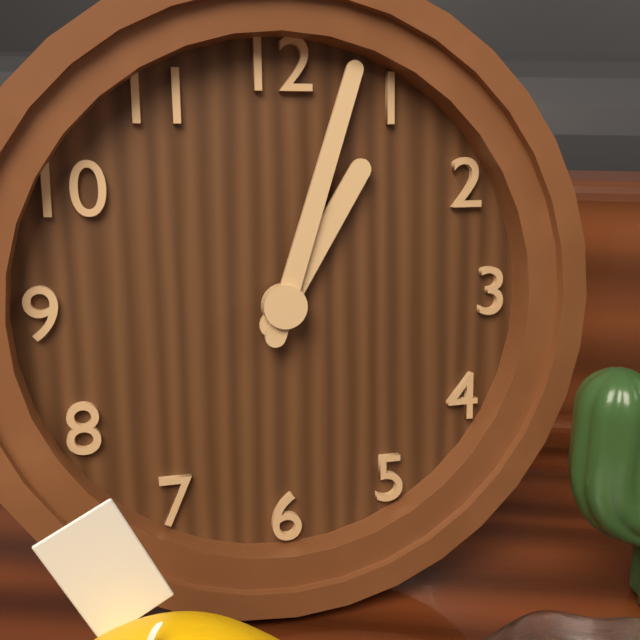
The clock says 1 h 03 min
